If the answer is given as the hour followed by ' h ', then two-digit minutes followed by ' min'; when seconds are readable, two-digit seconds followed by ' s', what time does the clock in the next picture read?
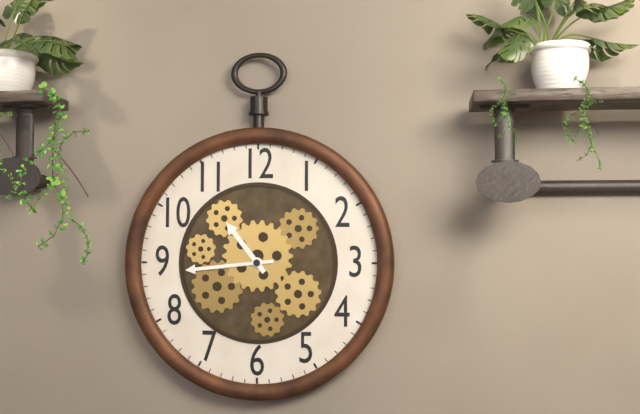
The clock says 10 h 44 min
